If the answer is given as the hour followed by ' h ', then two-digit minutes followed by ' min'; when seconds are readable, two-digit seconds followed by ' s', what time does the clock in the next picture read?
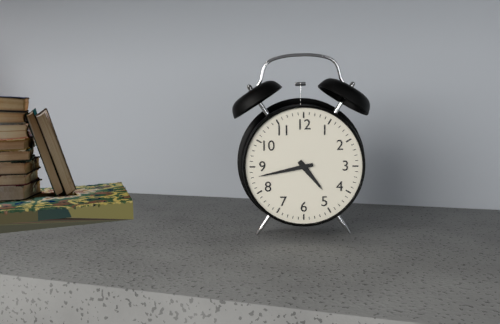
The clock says 4 h 43 min
